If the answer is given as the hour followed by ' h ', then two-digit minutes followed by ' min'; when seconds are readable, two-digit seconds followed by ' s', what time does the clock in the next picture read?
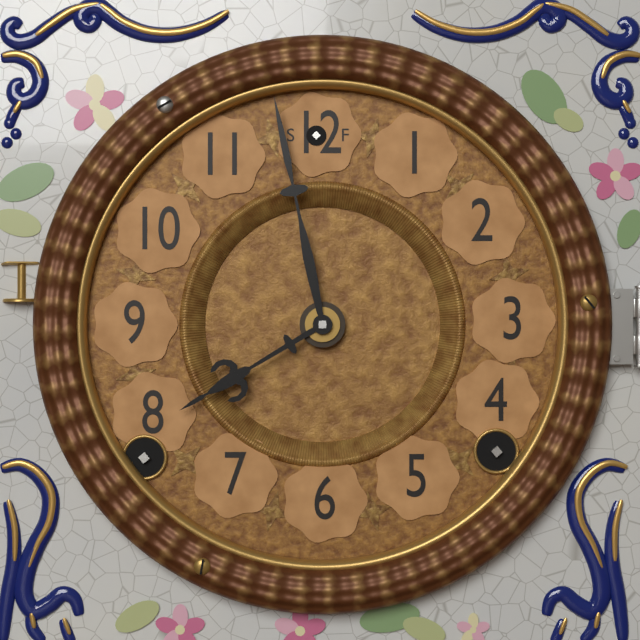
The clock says 7 h 58 min
